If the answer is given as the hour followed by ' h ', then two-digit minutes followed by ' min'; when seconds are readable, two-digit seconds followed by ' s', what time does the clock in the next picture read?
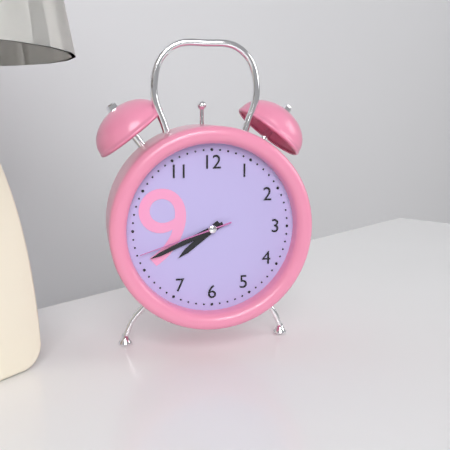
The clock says 7 h 41 min 42 s
